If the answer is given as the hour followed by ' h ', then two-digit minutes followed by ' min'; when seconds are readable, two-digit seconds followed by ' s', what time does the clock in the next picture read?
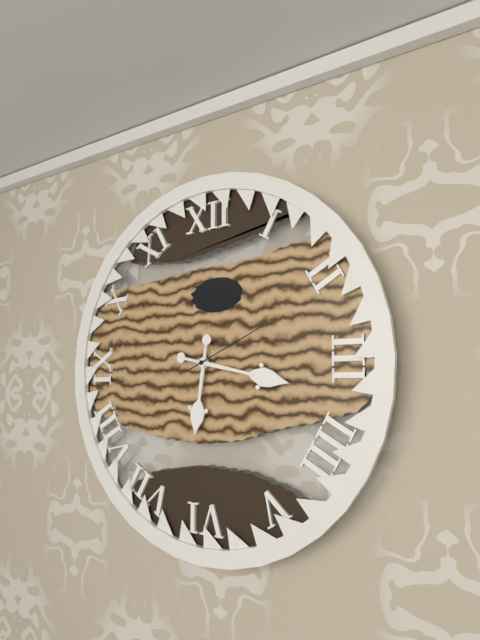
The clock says 6 h 17 min 11 s
